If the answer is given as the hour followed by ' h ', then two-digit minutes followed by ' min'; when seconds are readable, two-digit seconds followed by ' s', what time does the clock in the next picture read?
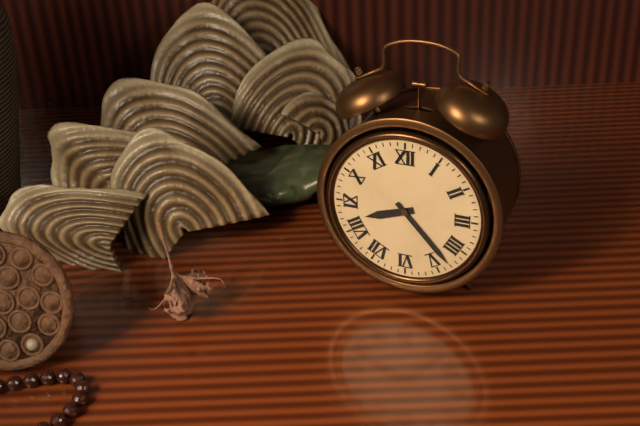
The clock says 8 h 23 min
